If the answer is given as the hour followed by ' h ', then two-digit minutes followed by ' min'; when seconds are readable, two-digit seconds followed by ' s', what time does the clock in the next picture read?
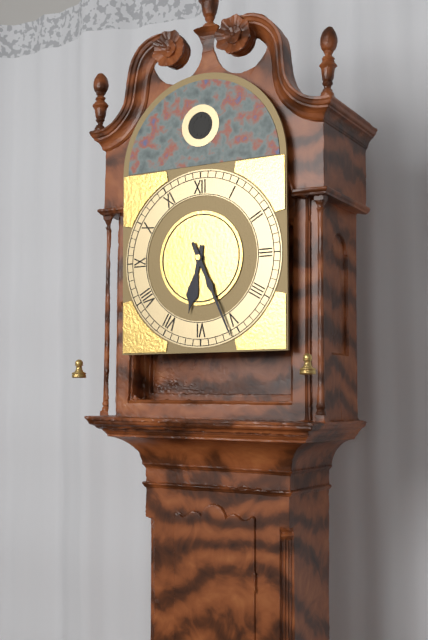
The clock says 6 h 26 min
